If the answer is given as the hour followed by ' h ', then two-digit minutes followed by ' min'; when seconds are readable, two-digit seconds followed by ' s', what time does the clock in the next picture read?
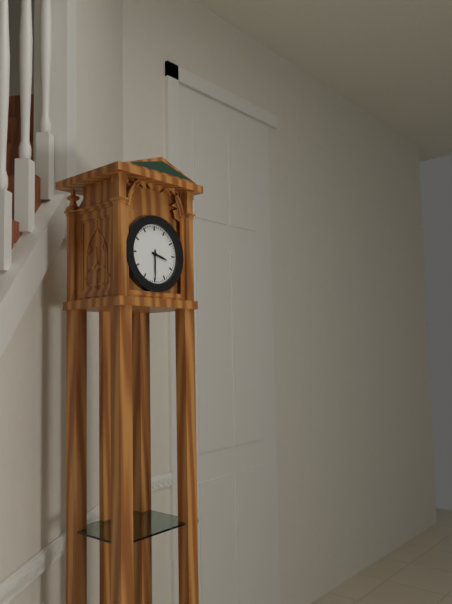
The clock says 3 h 30 min
